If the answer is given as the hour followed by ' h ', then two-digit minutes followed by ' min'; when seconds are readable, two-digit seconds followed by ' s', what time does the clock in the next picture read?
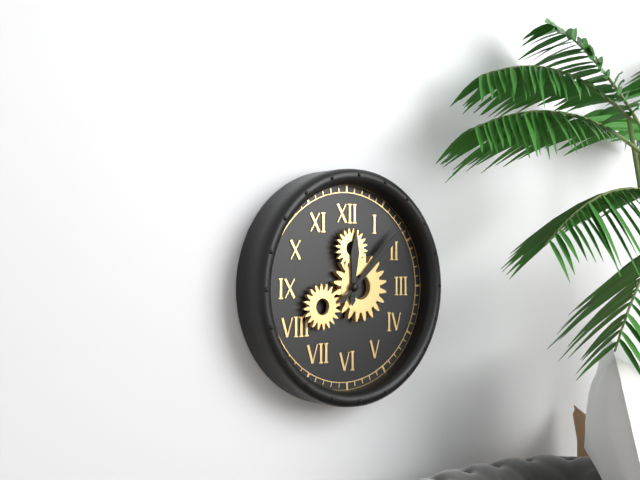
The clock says 12 h 08 min
